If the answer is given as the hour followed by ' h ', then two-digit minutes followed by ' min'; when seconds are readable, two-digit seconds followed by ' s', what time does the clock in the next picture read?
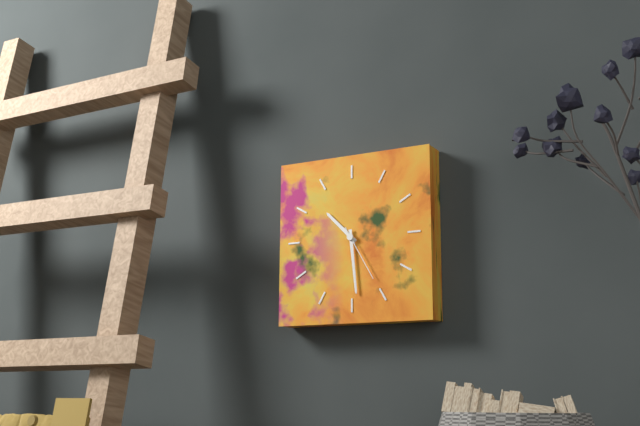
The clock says 10 h 29 min 25 s
